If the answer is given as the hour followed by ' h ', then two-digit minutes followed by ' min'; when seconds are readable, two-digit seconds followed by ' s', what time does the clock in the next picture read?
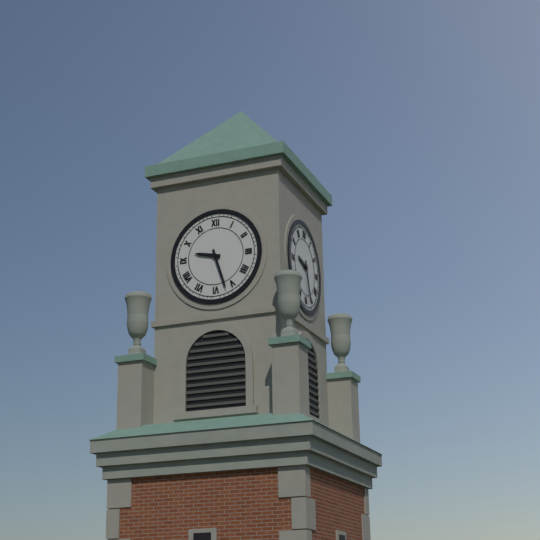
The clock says 9 h 27 min
